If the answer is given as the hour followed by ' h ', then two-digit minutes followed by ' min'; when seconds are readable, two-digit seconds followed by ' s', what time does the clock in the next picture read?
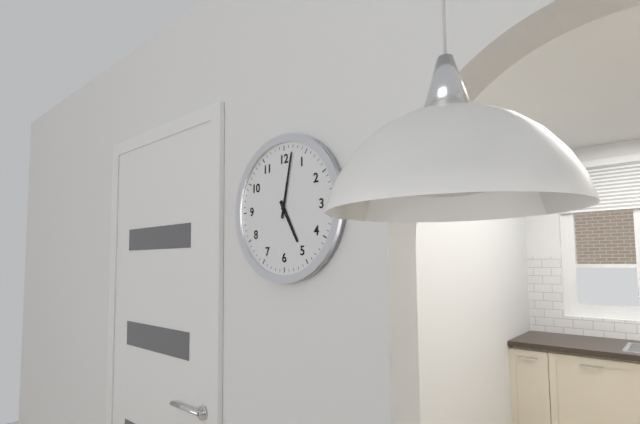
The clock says 5 h 02 min
